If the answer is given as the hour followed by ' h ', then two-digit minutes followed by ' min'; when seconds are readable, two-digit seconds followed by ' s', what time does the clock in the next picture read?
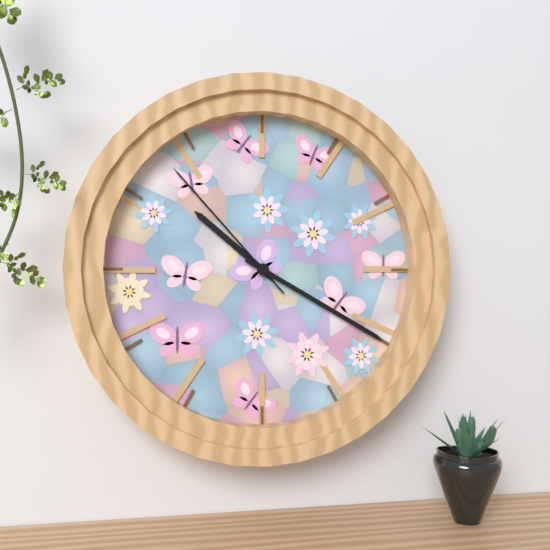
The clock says 10 h 20 min 53 s
